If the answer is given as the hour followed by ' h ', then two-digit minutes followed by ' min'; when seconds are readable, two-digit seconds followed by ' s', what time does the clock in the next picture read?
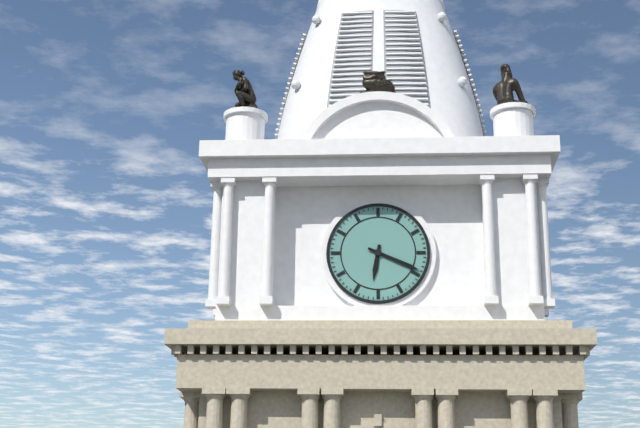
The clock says 6 h 19 min
